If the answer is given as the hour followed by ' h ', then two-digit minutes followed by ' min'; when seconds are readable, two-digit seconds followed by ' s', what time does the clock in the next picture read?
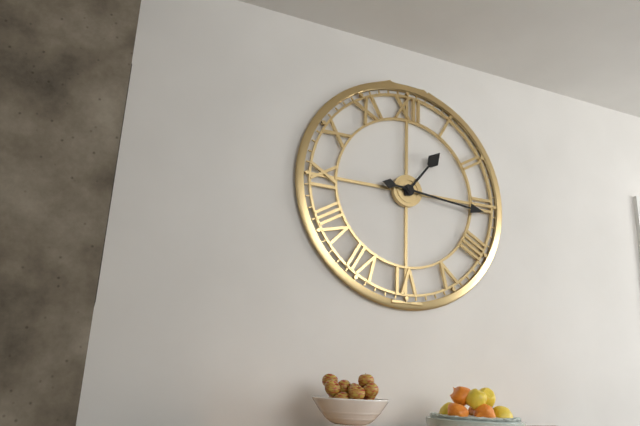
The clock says 1 h 16 min
